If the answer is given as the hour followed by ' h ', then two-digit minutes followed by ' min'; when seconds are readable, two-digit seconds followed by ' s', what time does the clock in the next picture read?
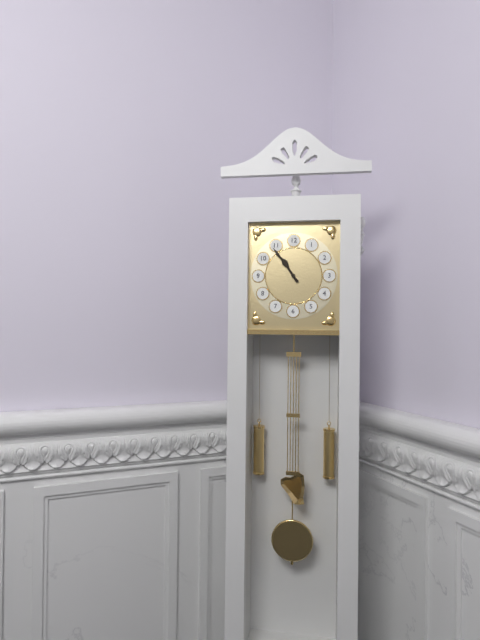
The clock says 10 h 54 min
